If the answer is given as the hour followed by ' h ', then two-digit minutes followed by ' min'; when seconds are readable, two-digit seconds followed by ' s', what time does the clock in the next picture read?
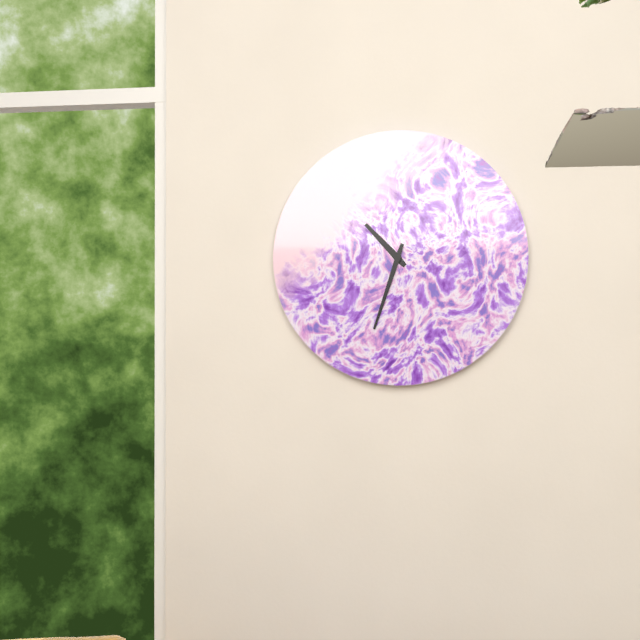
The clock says 10 h 33 min
